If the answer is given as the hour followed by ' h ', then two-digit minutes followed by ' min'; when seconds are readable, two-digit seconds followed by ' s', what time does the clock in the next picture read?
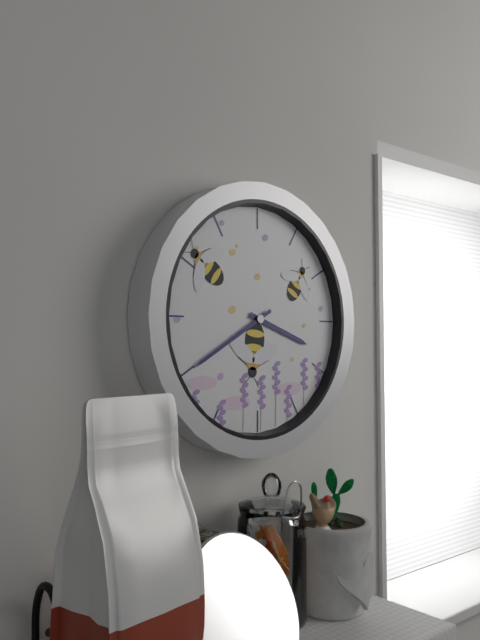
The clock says 3 h 40 min
